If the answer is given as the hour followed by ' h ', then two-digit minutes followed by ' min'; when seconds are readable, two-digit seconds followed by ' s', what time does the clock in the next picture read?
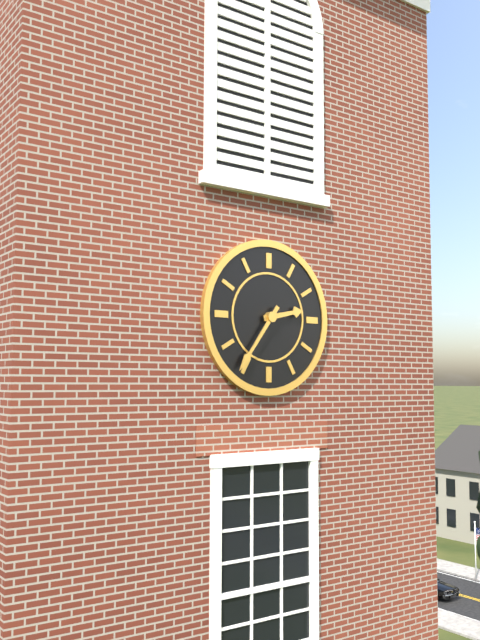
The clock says 2 h 36 min
